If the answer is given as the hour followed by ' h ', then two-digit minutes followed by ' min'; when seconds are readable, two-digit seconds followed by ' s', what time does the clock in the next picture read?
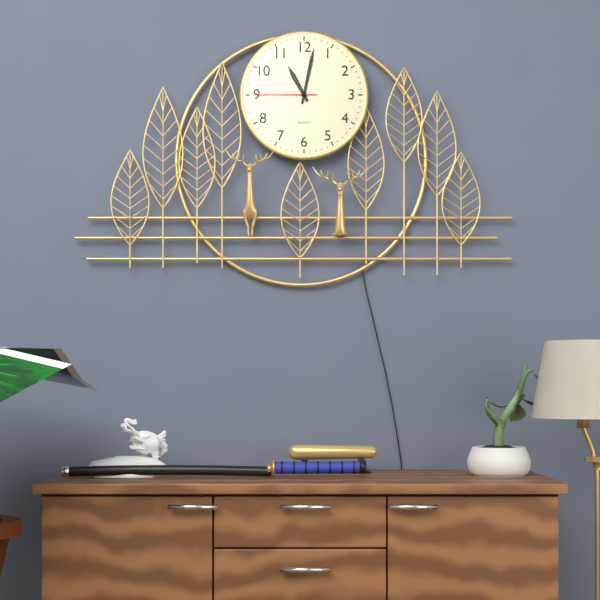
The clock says 11 h 02 min 45 s
